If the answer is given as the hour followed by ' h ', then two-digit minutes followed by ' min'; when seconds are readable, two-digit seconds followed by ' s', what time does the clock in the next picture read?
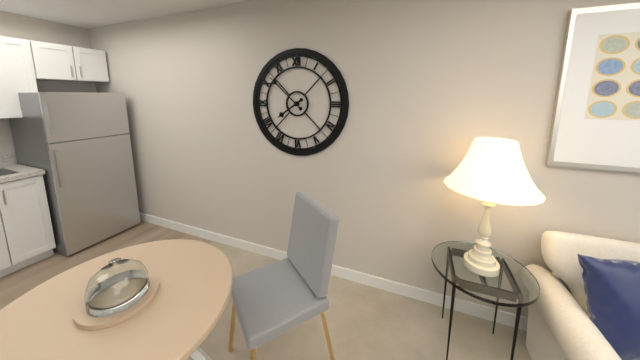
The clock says 7 h 52 min
